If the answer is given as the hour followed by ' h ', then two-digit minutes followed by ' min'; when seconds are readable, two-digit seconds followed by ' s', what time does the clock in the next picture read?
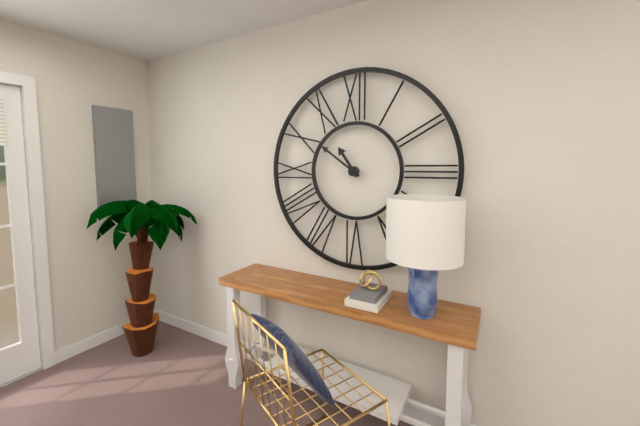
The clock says 10 h 51 min
